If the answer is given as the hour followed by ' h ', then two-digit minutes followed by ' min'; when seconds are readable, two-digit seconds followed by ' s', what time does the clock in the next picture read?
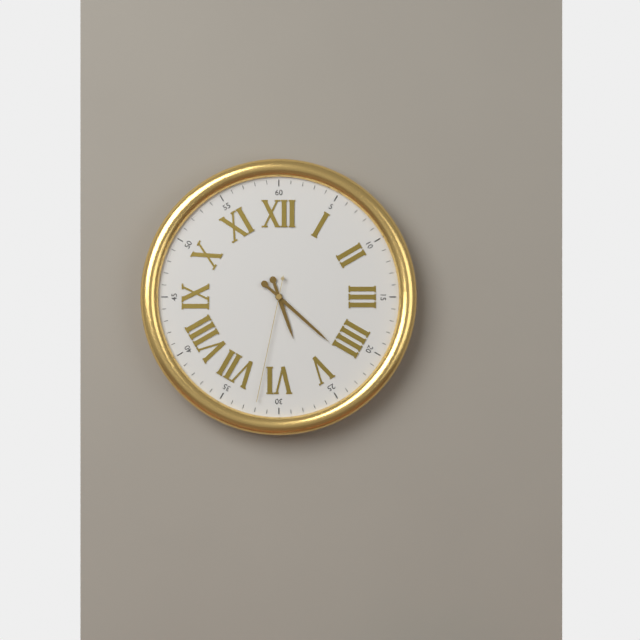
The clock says 5 h 22 min 32 s
